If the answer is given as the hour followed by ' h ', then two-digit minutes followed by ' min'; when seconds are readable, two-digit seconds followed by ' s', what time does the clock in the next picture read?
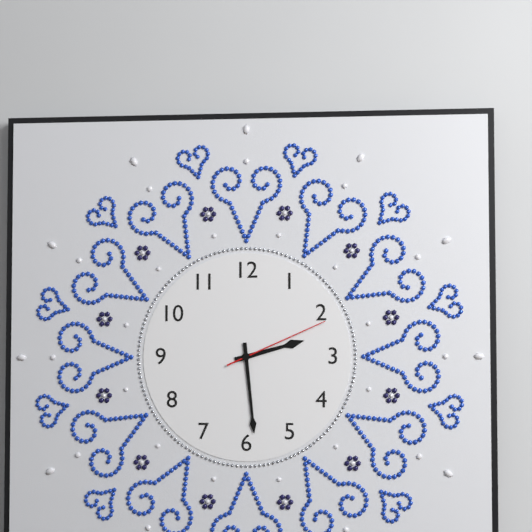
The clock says 2 h 29 min 11 s
